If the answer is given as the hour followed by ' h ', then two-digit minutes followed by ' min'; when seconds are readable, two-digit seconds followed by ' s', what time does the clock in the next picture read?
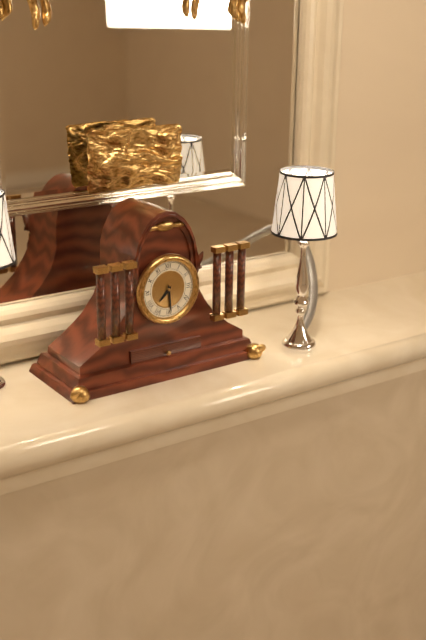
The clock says 7 h 29 min
